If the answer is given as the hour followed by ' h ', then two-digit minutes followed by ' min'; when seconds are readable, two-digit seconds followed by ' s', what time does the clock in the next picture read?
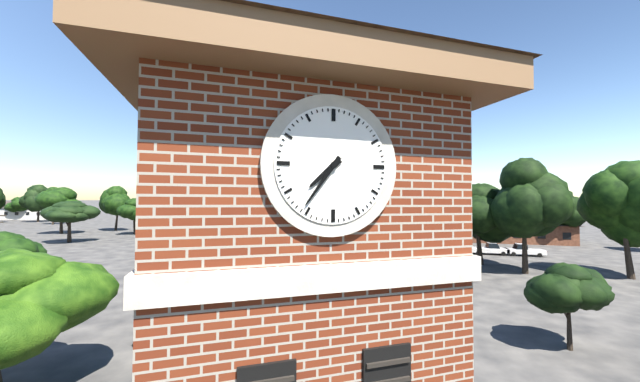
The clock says 7 h 36 min
